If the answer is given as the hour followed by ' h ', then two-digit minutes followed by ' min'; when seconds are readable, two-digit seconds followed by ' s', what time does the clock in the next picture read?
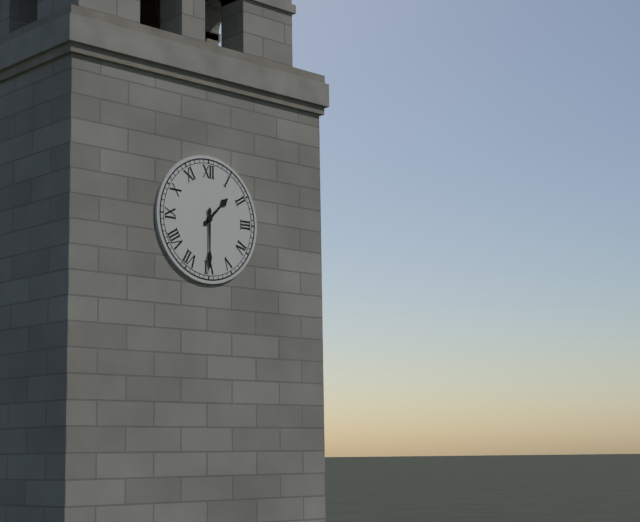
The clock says 1 h 30 min
